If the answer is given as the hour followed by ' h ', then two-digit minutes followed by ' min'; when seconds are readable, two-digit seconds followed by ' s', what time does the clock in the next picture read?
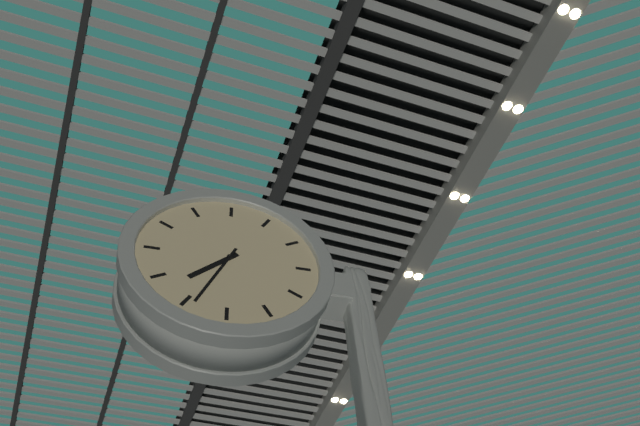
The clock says 7 h 34 min
